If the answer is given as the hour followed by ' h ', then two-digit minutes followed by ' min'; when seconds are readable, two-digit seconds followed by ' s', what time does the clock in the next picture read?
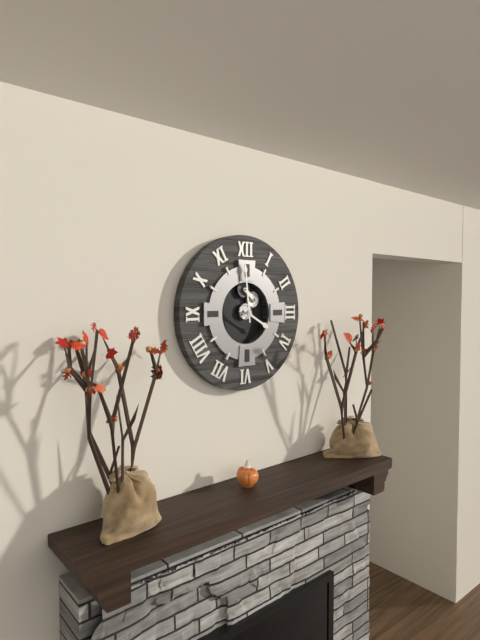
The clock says 3 h 59 min
